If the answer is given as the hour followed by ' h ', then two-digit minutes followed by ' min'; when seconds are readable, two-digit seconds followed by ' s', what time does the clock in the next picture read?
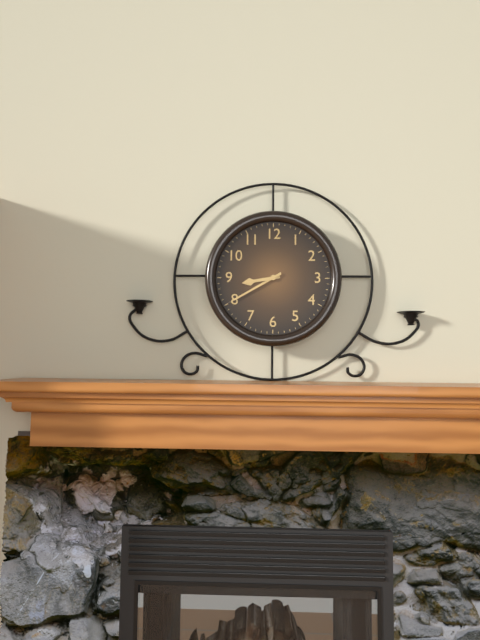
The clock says 8 h 40 min
